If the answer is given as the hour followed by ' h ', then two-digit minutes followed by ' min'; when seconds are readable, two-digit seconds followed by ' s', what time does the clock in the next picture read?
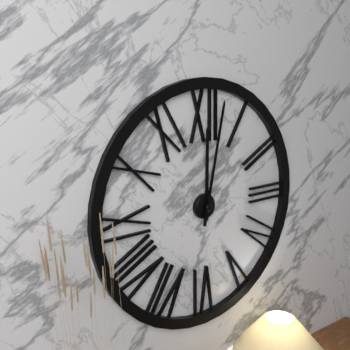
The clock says 12 h 02 min
